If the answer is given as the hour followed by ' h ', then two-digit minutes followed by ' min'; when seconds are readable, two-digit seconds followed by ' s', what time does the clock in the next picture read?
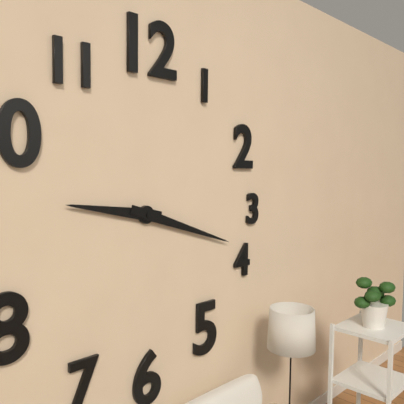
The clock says 9 h 18 min
